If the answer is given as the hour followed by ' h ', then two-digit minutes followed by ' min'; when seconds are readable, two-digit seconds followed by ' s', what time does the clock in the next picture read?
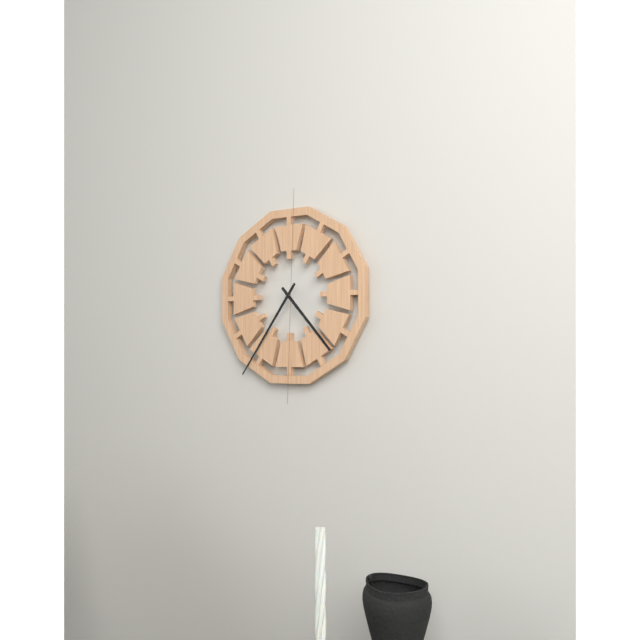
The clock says 4 h 36 min
